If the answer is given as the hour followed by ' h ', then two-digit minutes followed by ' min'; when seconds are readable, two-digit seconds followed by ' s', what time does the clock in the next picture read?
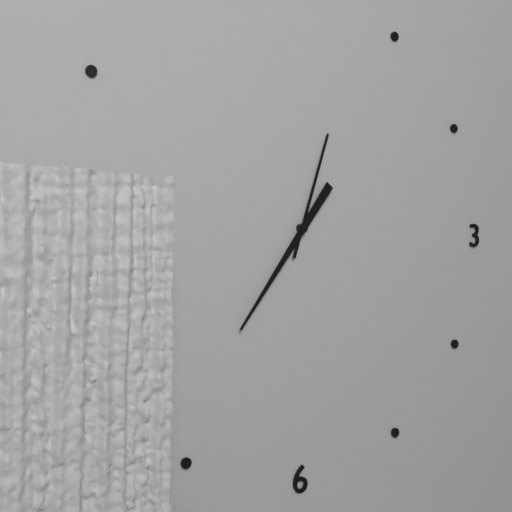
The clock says 12 h 36 min
